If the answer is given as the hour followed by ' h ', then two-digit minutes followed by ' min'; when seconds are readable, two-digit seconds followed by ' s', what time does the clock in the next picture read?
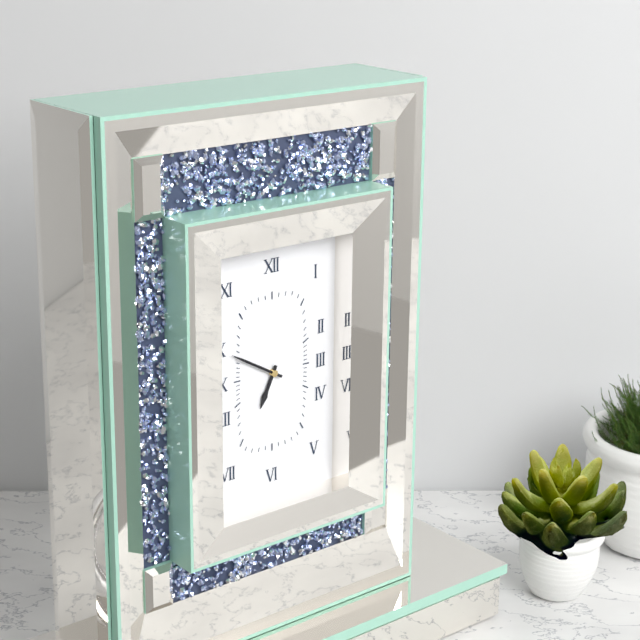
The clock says 6 h 50 min
